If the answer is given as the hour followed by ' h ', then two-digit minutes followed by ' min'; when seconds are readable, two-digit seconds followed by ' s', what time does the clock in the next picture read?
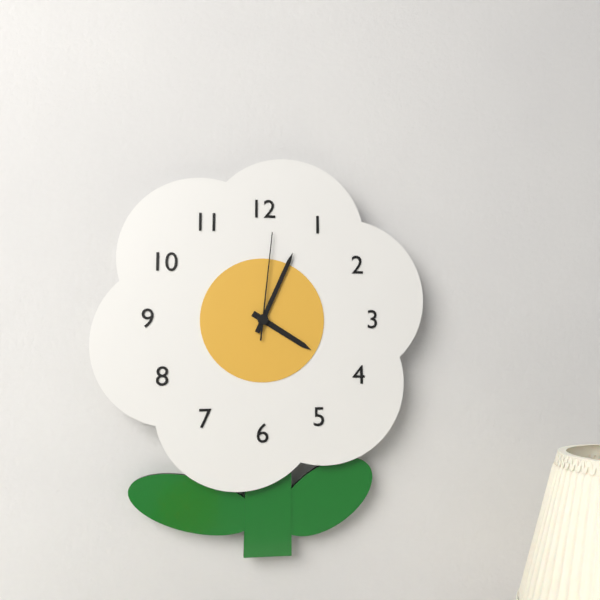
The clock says 4 h 04 min 01 s
